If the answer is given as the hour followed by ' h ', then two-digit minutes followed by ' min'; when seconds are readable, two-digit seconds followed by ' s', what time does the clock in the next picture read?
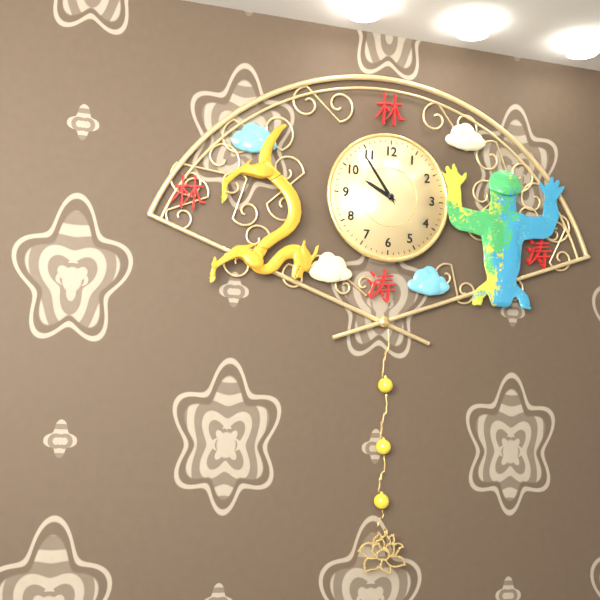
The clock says 9 h 54 min
